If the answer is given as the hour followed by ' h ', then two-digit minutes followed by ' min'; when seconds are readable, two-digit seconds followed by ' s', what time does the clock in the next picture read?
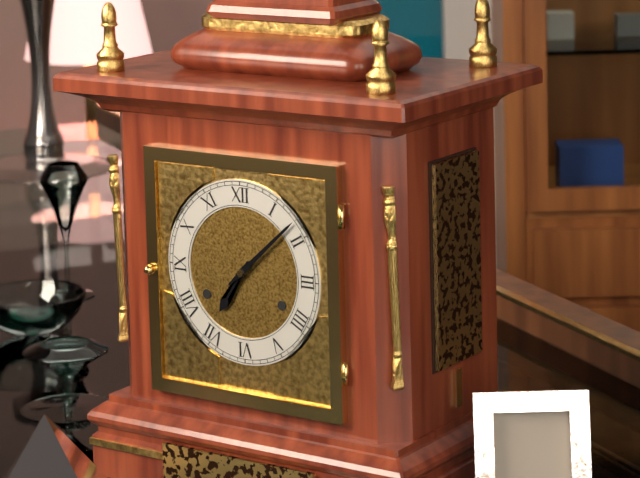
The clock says 7 h 08 min
